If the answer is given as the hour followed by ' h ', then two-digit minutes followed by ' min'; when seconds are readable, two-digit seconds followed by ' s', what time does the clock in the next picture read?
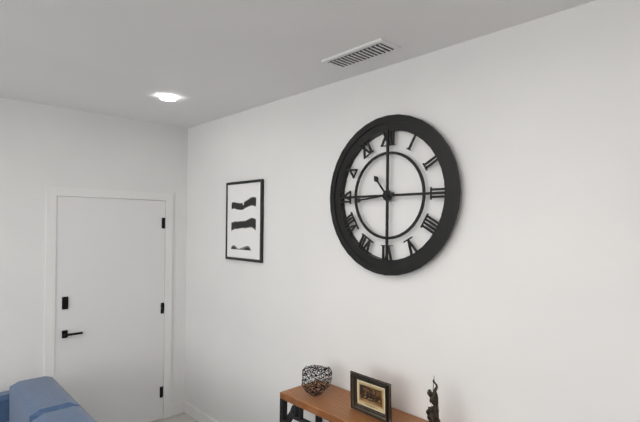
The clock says 10 h 44 min
